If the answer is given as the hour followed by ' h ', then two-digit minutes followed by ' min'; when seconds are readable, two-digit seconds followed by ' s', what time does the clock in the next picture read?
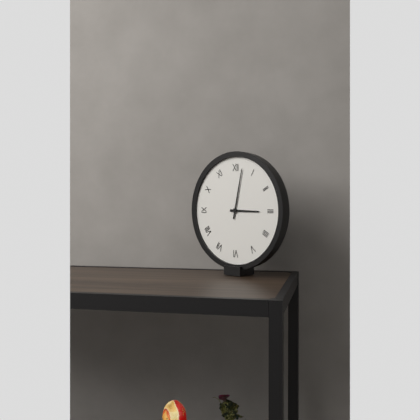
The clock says 3 h 02 min
